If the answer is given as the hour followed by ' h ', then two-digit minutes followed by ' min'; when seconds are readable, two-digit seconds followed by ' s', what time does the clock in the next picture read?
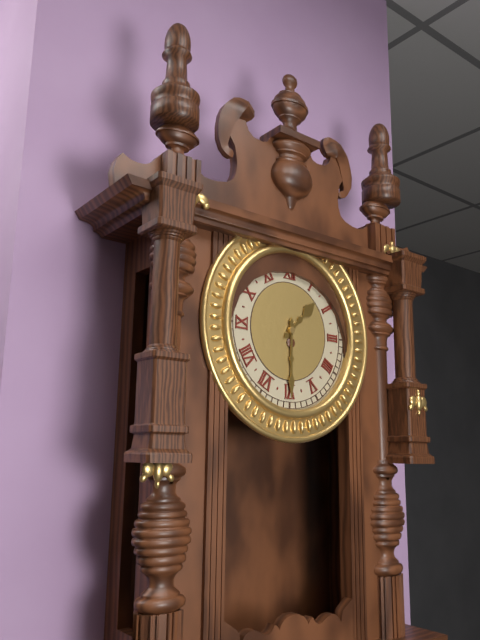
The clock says 1 h 30 min
